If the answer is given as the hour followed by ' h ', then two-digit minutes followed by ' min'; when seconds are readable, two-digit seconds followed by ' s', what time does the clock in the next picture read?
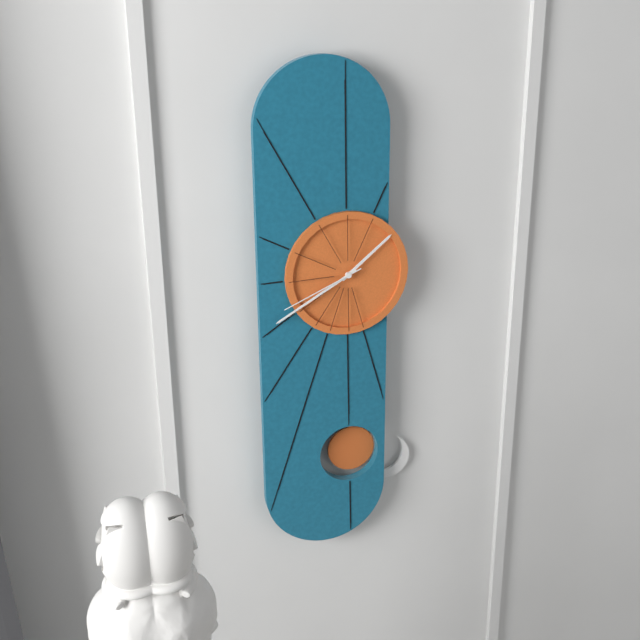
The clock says 1 h 40 min 41 s
